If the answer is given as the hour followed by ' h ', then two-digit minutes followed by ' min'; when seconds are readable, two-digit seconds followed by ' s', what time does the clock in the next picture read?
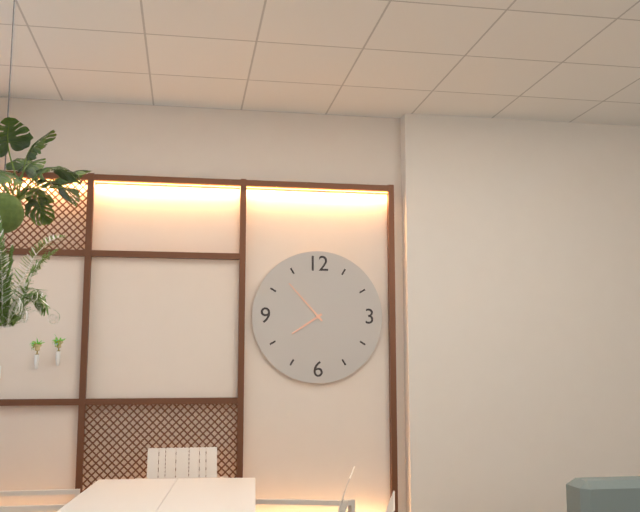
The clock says 7 h 53 min
